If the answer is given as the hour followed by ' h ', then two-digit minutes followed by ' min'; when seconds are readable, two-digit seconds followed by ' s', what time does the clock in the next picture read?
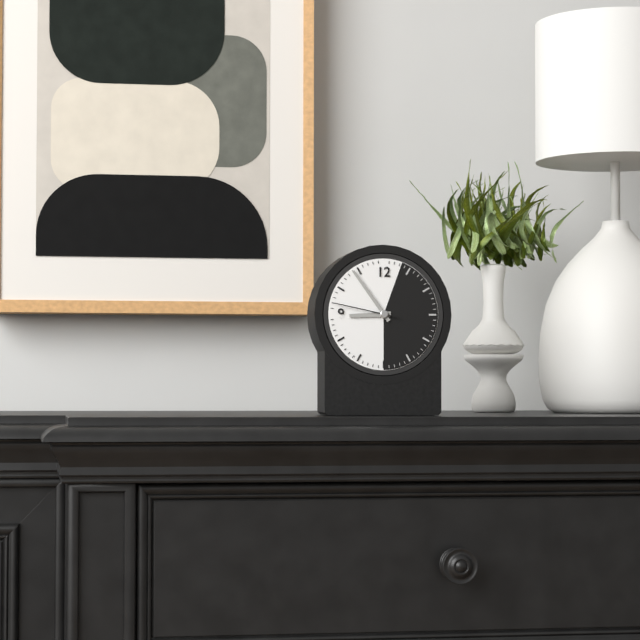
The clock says 8 h 54 min 47 s
